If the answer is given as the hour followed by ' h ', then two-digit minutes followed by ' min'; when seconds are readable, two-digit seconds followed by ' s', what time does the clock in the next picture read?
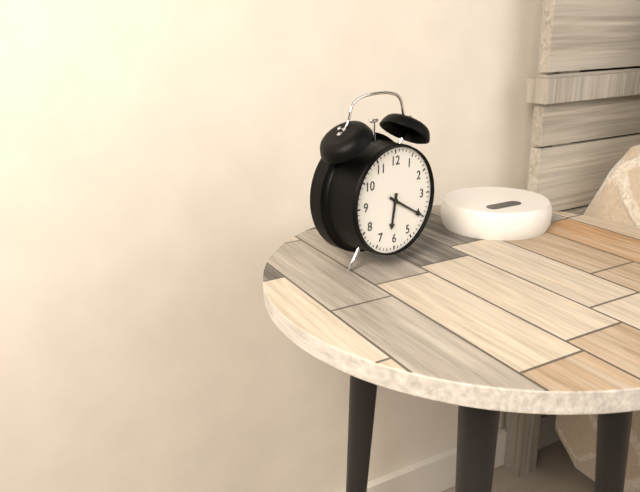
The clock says 6 h 20 min
